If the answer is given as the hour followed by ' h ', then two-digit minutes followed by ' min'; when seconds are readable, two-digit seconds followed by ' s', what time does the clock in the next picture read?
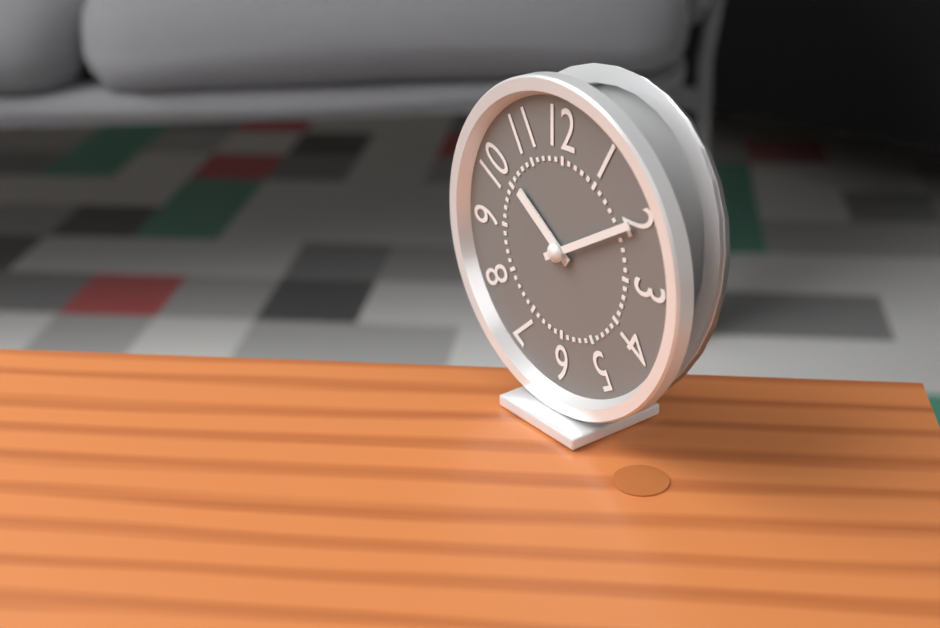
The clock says 10 h 10 min
